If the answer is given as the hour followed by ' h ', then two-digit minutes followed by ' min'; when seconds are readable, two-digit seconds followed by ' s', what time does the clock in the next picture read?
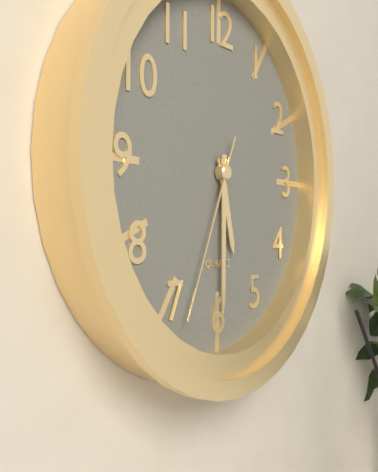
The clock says 5 h 30 min 34 s
